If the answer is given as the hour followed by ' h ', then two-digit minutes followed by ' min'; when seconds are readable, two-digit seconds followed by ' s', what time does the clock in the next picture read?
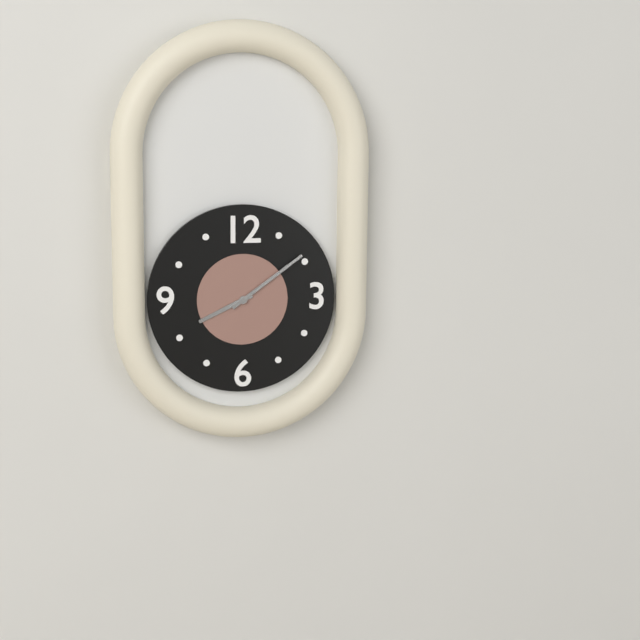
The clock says 8 h 09 min
